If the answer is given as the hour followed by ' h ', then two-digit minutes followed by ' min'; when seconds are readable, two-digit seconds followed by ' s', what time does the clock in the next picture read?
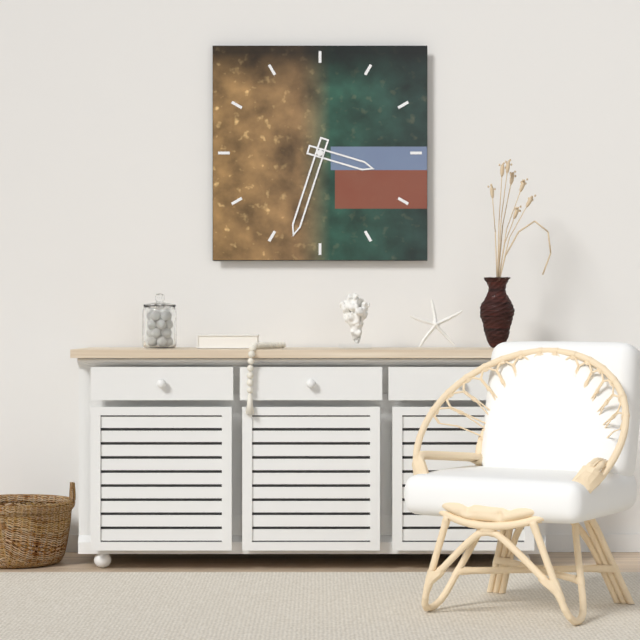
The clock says 3 h 33 min
